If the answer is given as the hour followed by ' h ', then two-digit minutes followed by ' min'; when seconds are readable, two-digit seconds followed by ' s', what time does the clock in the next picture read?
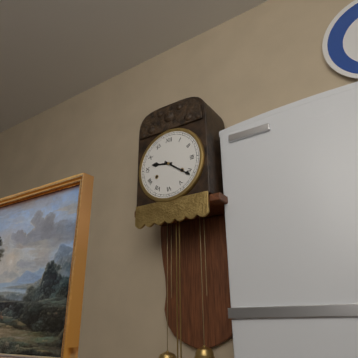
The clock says 9 h 21 min
